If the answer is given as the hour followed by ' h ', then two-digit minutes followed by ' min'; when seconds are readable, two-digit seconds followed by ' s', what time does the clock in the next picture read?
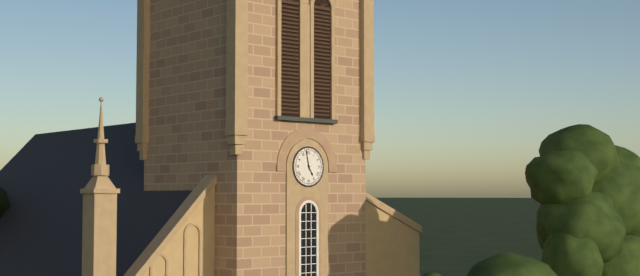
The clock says 4 h 58 min
